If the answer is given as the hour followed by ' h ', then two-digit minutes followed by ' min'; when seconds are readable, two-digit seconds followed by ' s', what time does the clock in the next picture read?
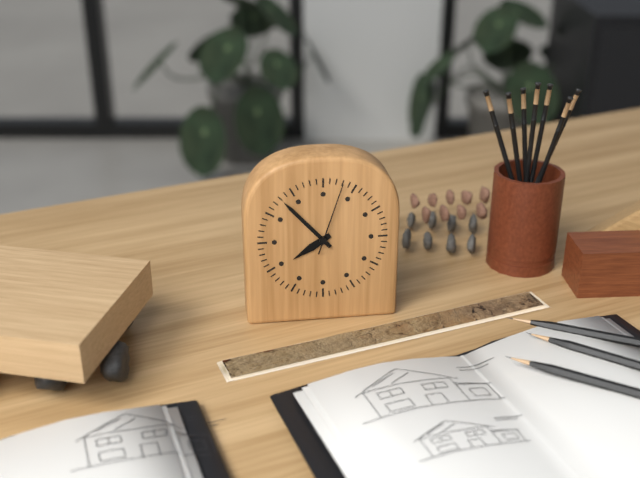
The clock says 7 h 53 min 03 s
